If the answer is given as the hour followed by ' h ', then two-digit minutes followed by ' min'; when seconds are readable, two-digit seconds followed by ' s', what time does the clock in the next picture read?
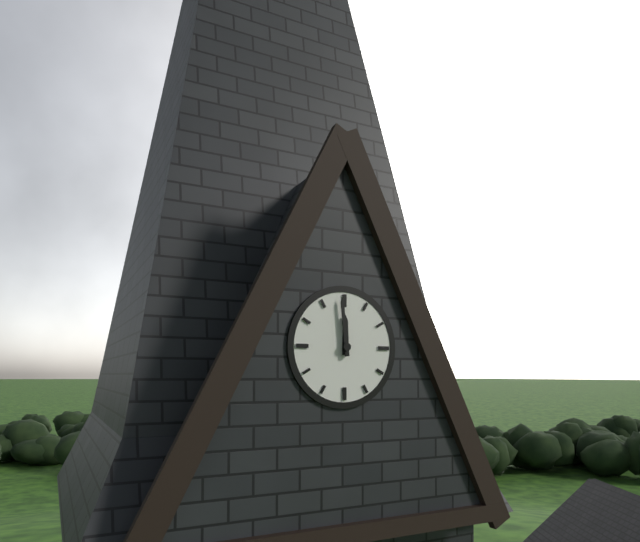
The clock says 11 h 59 min
